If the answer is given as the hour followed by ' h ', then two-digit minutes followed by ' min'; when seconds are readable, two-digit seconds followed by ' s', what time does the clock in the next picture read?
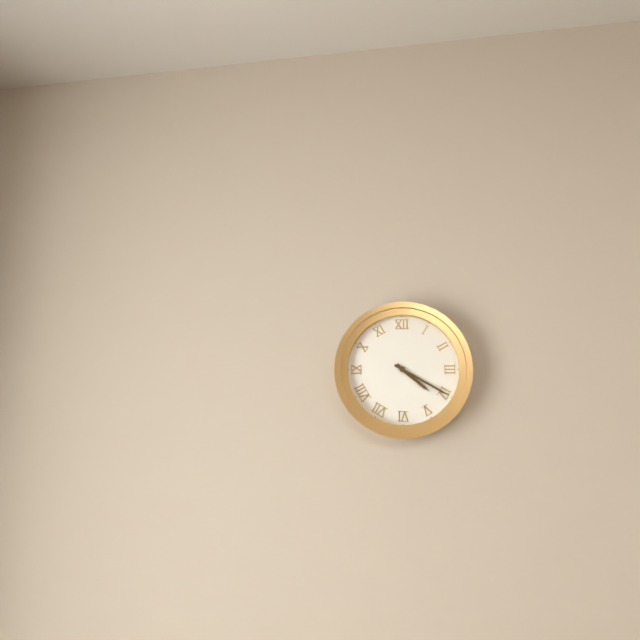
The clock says 4 h 20 min
